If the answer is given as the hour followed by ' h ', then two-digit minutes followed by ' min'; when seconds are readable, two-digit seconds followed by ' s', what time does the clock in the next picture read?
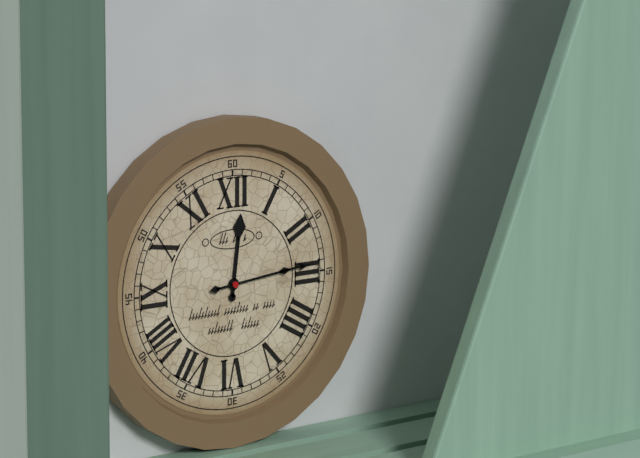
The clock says 12 h 14 min
